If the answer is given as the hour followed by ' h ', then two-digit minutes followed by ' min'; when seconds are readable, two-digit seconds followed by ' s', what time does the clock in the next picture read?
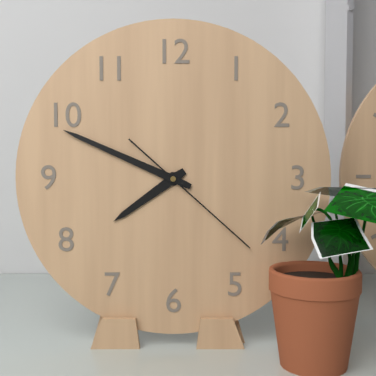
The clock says 7 h 49 min 22 s
